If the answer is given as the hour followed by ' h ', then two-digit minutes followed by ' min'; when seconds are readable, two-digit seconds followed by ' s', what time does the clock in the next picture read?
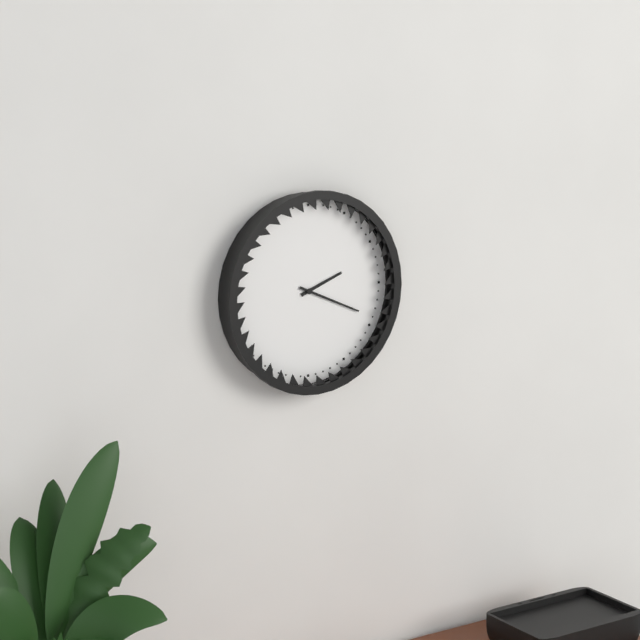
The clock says 2 h 19 min
